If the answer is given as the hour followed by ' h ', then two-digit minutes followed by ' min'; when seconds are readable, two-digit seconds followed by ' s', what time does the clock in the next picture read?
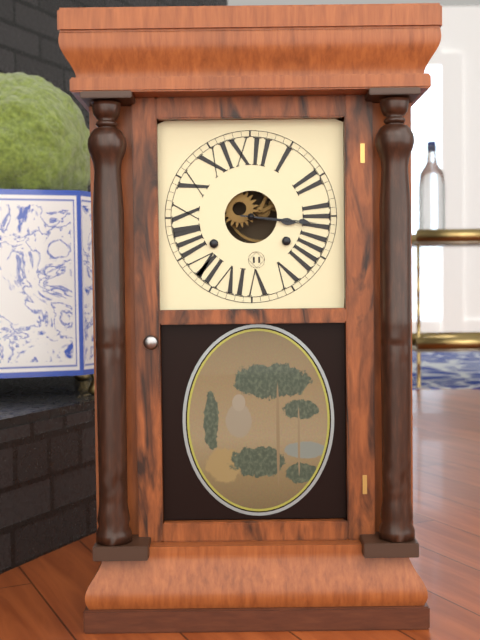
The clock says 3 h 16 min
